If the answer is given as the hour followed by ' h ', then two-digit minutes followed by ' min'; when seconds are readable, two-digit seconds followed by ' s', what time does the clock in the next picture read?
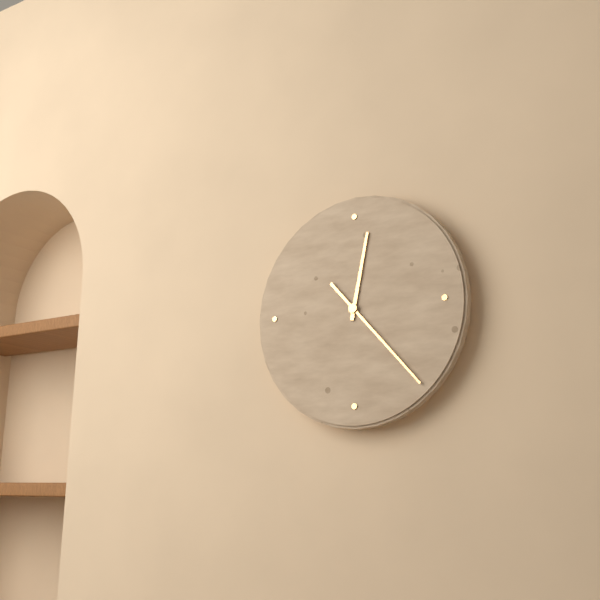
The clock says 12 h 23 min
